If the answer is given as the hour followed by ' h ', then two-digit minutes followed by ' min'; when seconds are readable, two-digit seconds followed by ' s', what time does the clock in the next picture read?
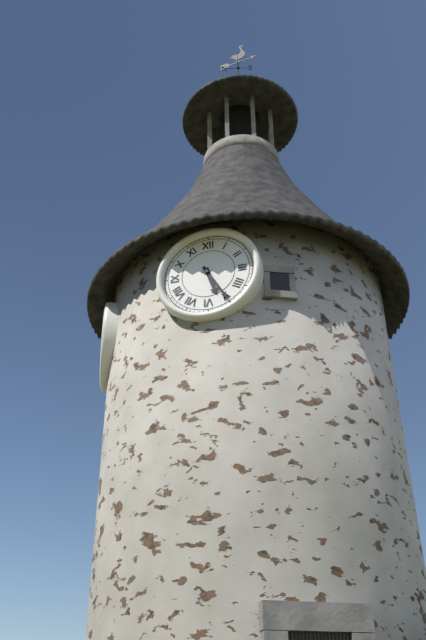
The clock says 5 h 25 min
